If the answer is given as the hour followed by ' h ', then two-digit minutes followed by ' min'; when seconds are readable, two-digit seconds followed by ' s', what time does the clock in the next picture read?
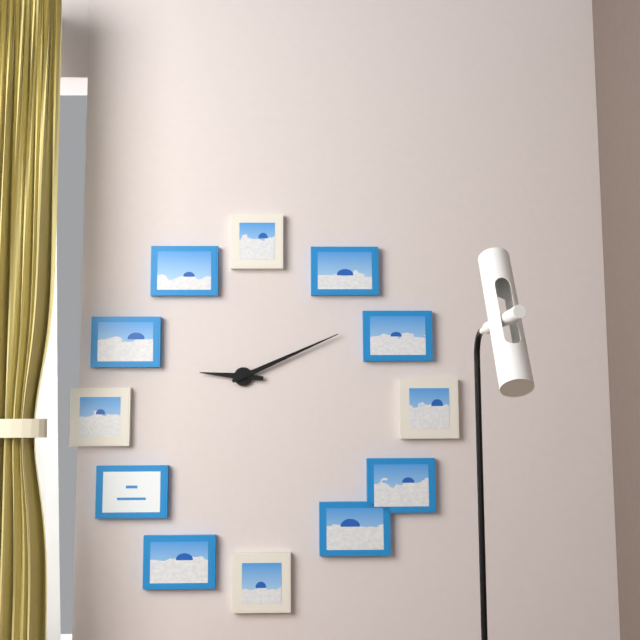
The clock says 9 h 11 min
